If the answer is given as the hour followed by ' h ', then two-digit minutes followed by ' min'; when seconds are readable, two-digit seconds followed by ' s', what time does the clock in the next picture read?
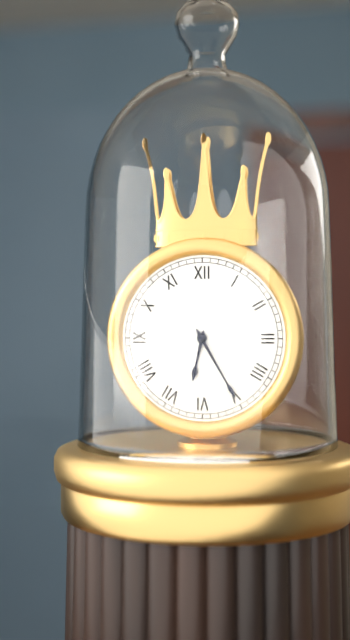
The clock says 6 h 25 min
